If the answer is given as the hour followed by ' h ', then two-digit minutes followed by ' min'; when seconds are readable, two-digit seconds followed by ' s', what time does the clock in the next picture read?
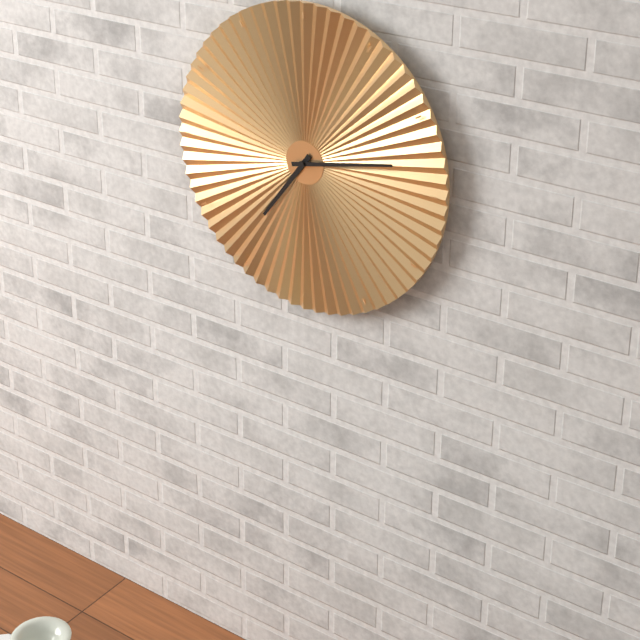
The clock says 7 h 13 min
